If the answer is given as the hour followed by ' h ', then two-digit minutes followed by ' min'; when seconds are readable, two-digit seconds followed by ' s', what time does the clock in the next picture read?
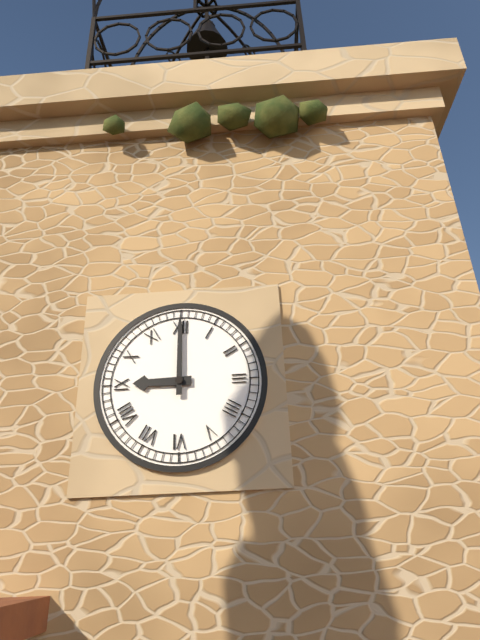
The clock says 9 h 00 min
